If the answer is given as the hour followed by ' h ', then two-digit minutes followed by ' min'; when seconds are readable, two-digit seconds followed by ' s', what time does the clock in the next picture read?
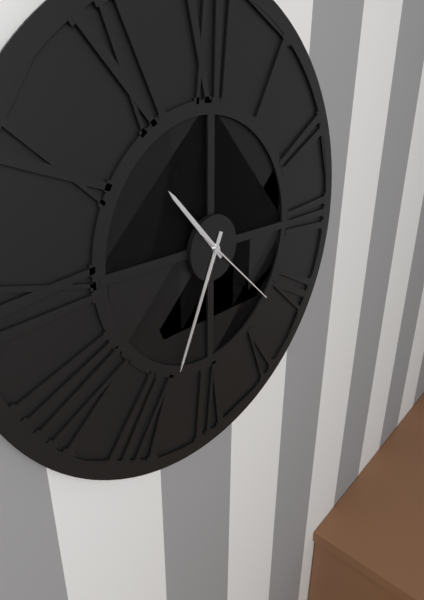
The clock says 10 h 34 min 22 s
